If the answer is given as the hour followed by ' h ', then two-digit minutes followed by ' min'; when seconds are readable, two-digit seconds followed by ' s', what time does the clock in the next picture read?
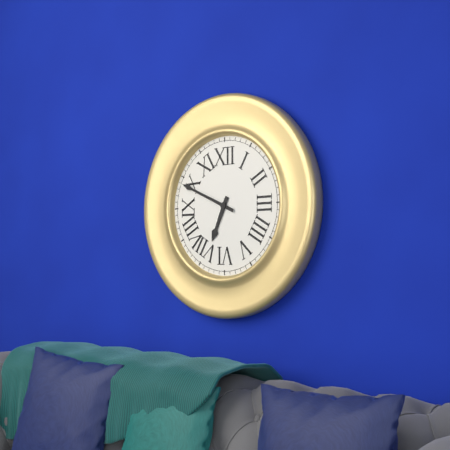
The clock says 6 h 49 min
